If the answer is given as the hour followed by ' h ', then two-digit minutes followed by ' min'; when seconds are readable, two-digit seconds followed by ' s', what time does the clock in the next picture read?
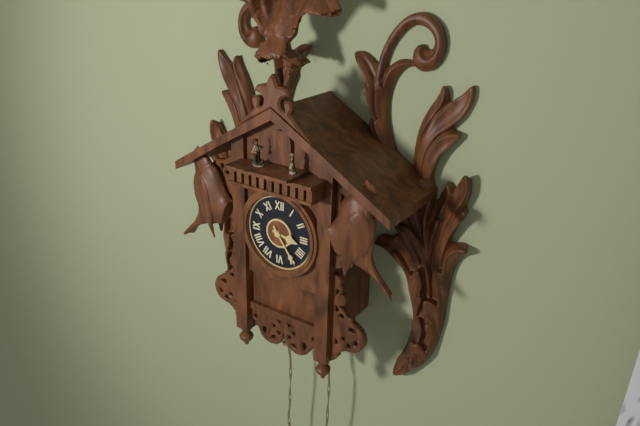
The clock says 3 h 24 min
